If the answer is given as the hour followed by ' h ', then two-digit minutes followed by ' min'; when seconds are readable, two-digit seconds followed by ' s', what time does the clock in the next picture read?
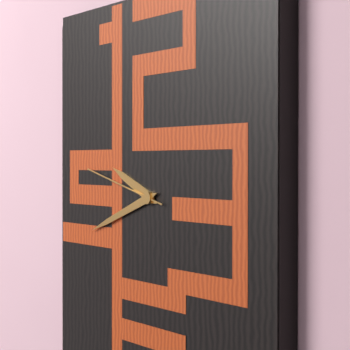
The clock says 9 h 42 min 47 s
